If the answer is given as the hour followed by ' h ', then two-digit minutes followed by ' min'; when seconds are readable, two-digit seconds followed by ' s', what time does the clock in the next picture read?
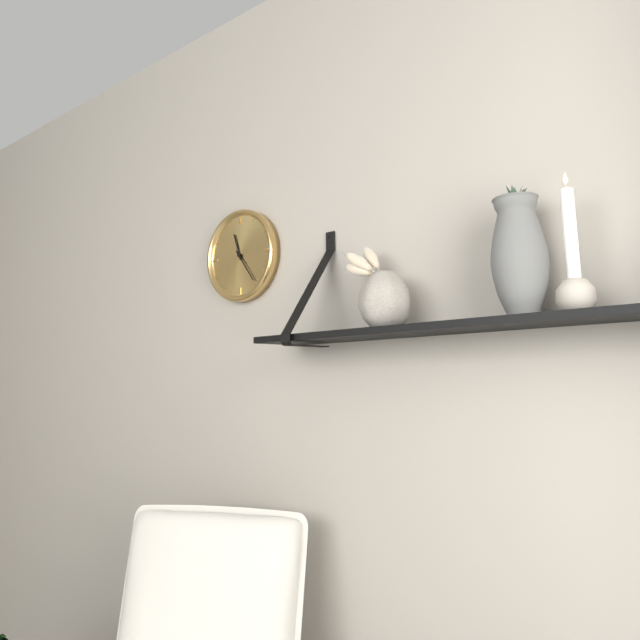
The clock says 11 h 24 min
